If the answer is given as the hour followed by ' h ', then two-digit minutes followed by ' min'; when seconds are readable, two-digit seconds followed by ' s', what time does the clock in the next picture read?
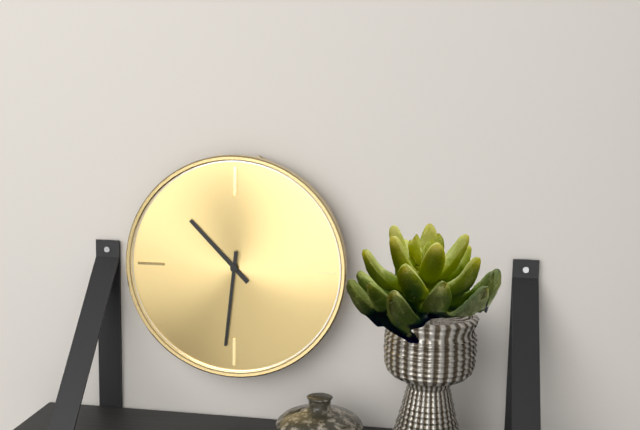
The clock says 10 h 31 min
